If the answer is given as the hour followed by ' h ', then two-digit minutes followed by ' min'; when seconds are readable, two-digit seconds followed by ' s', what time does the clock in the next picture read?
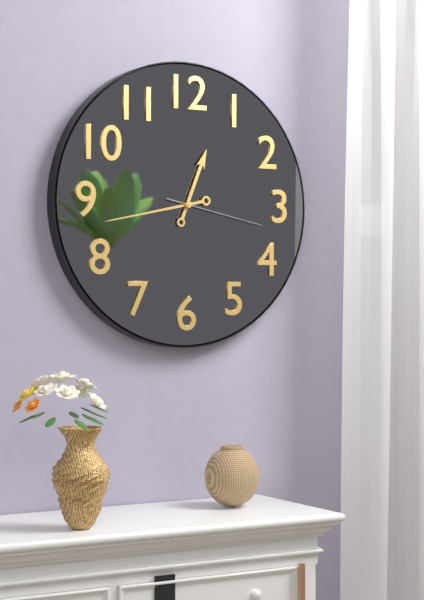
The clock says 12 h 43 min 17 s
